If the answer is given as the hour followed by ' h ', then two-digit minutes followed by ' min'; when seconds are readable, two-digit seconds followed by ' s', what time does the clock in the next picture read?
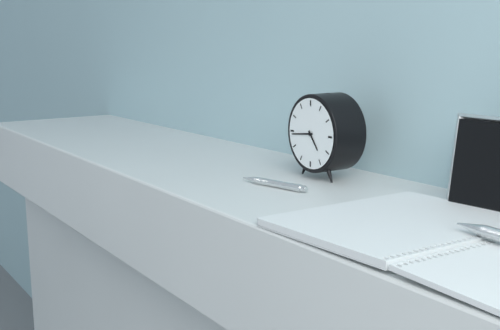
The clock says 4 h 44 min
